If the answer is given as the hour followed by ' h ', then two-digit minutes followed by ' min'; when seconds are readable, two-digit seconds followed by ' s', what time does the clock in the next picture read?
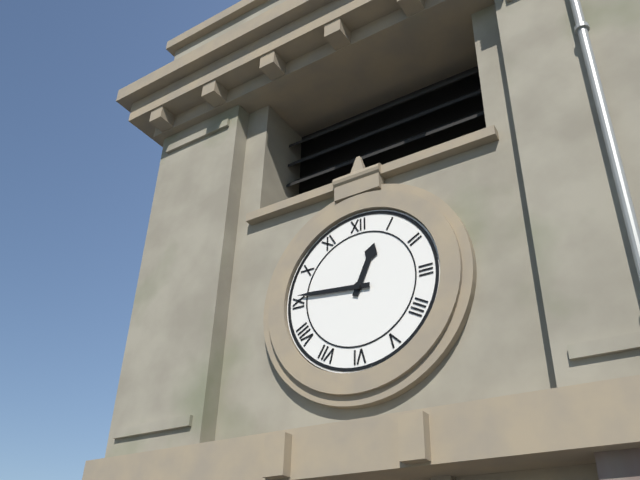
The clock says 12 h 46 min
